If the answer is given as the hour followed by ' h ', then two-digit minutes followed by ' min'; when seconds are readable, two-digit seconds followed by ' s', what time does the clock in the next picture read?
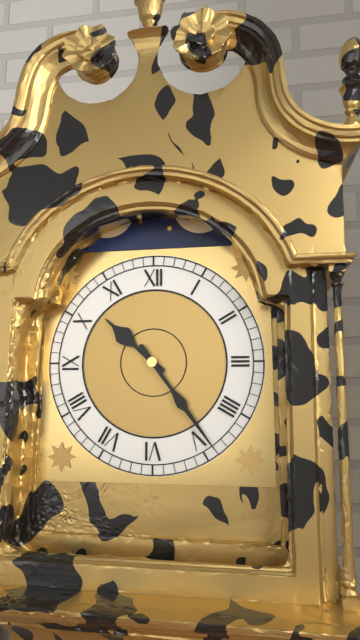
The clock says 10 h 24 min
